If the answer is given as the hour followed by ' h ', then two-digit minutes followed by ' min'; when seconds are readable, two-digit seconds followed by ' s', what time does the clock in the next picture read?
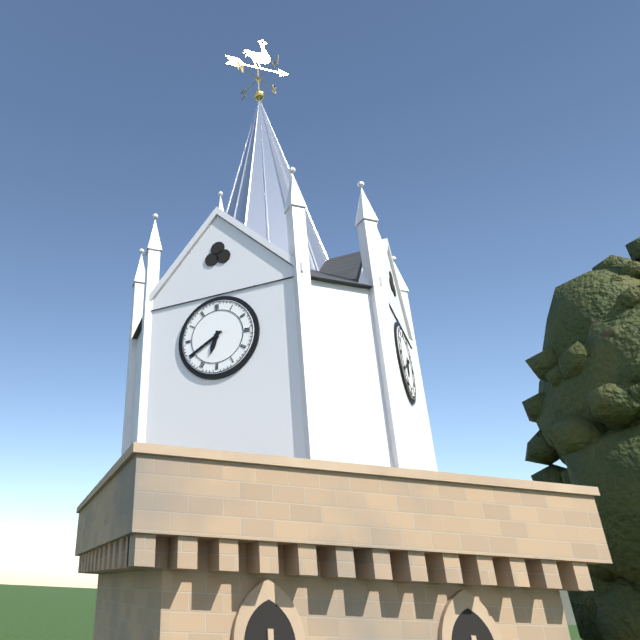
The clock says 6 h 40 min
